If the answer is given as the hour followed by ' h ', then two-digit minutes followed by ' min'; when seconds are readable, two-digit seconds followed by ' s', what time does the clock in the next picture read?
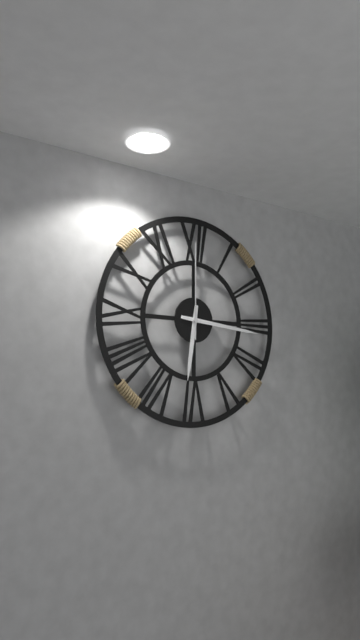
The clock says 6 h 16 min 00 s
